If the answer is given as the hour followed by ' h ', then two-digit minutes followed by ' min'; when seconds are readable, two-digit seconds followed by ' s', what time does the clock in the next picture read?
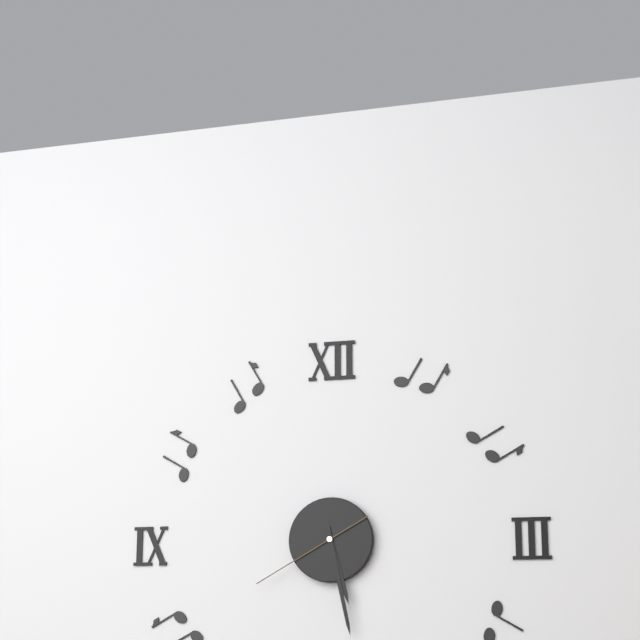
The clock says 5 h 28 min 40 s
